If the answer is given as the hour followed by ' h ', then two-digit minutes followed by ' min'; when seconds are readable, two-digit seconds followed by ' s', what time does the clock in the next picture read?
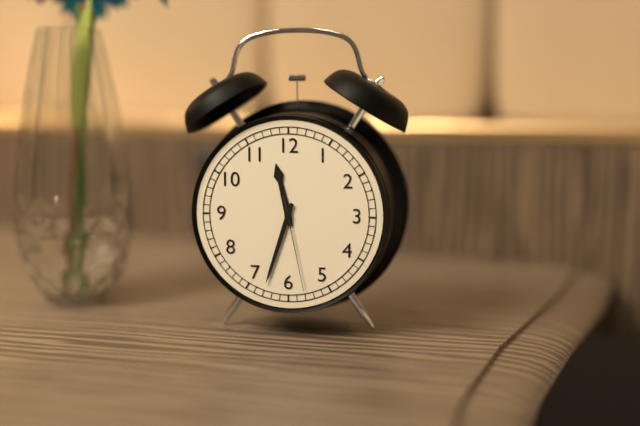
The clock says 11 h 33 min 28 s
